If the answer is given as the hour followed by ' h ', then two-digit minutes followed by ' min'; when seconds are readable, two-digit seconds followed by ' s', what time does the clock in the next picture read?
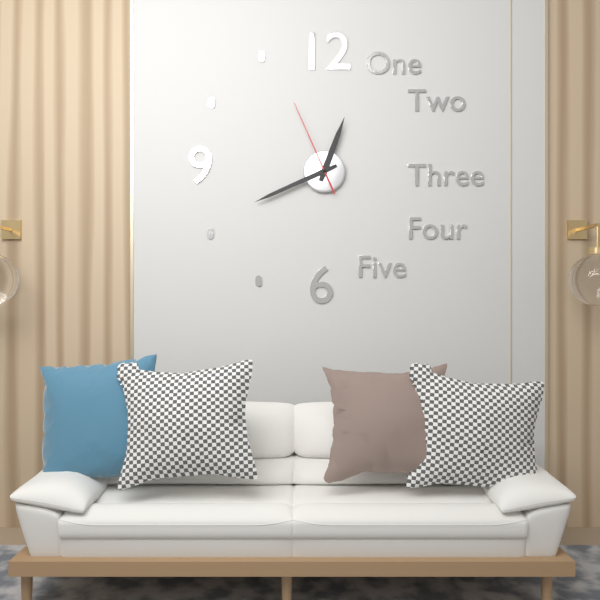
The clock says 12 h 41 min 56 s
